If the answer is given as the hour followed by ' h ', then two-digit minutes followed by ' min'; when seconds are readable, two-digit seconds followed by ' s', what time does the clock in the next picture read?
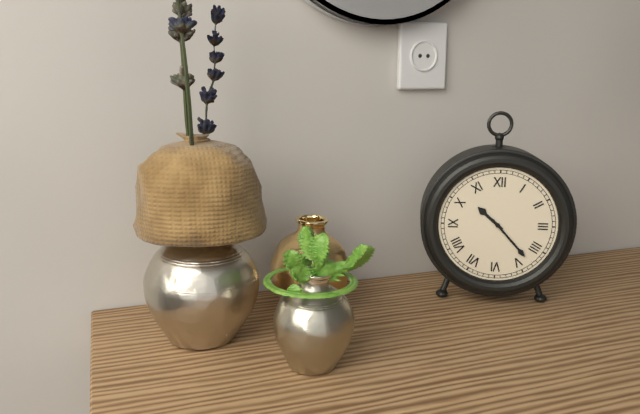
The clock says 10 h 23 min
